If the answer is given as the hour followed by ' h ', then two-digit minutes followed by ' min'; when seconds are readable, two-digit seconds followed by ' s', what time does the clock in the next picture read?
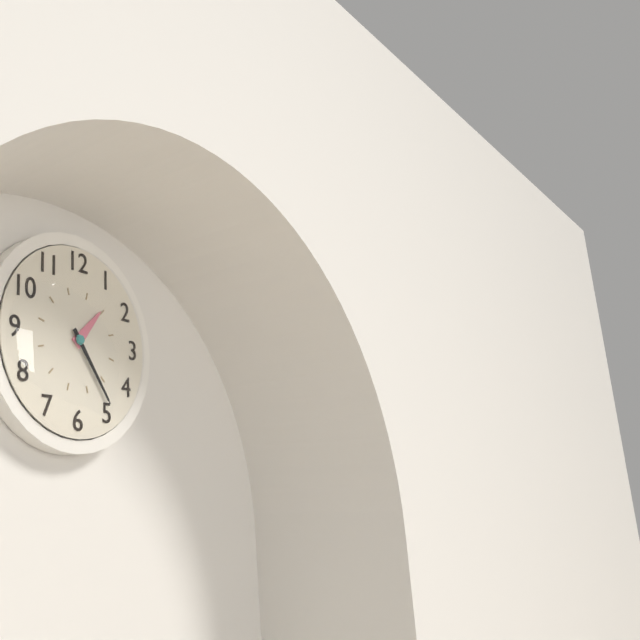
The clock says 1 h 24 min
